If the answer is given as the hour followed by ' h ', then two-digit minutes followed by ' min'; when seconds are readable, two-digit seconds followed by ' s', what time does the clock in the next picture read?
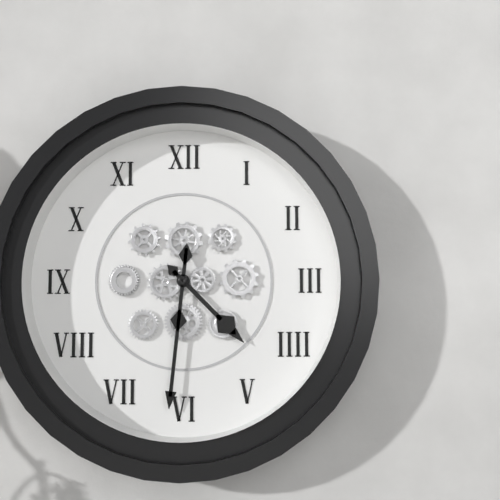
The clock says 4 h 31 min
